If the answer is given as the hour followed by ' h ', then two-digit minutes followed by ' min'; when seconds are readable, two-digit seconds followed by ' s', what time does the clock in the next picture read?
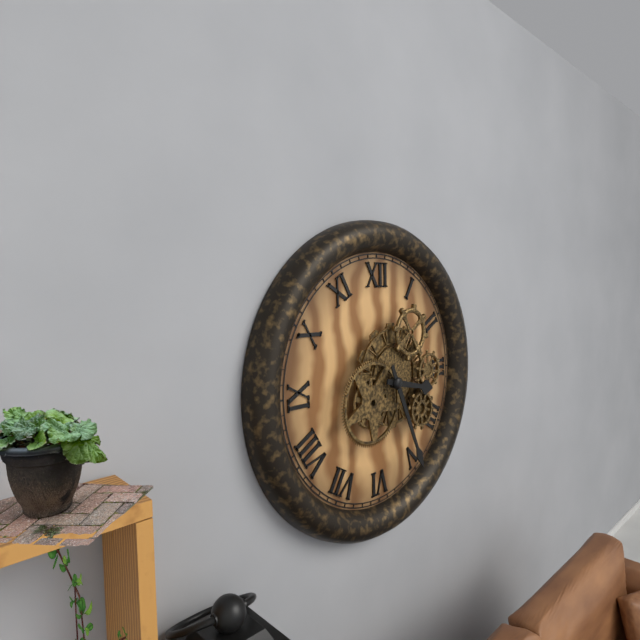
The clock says 3 h 26 min
